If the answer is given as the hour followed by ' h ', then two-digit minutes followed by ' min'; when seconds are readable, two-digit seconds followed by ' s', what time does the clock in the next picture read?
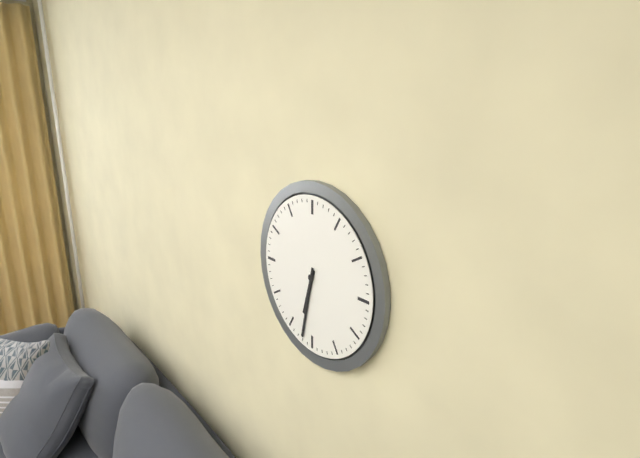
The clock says 6 h 32 min
